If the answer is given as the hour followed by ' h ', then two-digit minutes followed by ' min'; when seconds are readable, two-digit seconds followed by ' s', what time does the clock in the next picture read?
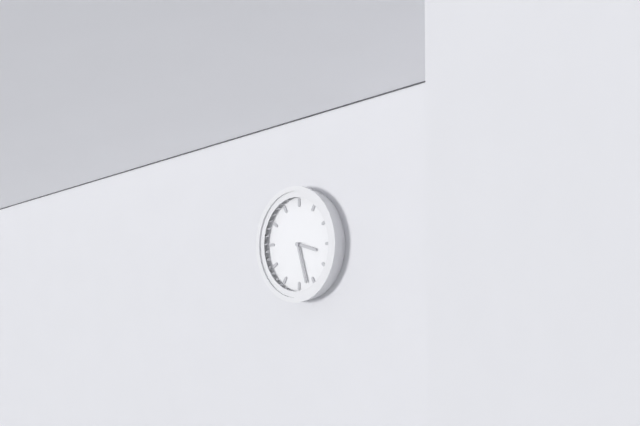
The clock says 3 h 27 min
